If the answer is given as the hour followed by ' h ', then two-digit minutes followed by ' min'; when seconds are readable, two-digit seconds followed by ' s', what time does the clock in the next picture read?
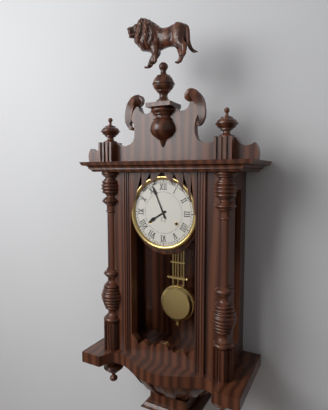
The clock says 7 h 56 min
